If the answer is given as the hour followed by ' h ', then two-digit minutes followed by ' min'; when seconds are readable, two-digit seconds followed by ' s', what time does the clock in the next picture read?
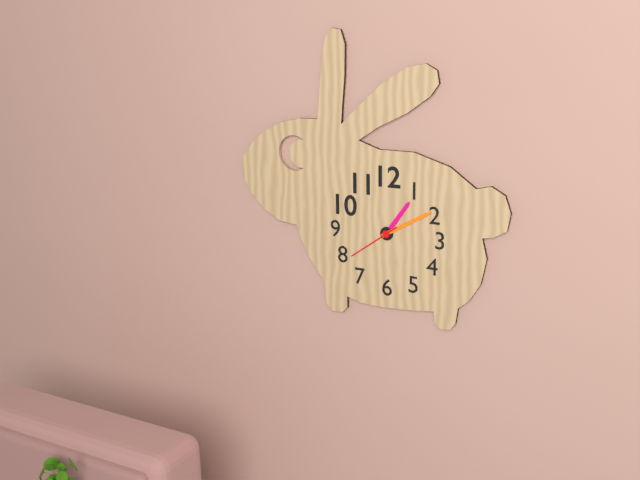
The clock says 1 h 10 min 39 s
